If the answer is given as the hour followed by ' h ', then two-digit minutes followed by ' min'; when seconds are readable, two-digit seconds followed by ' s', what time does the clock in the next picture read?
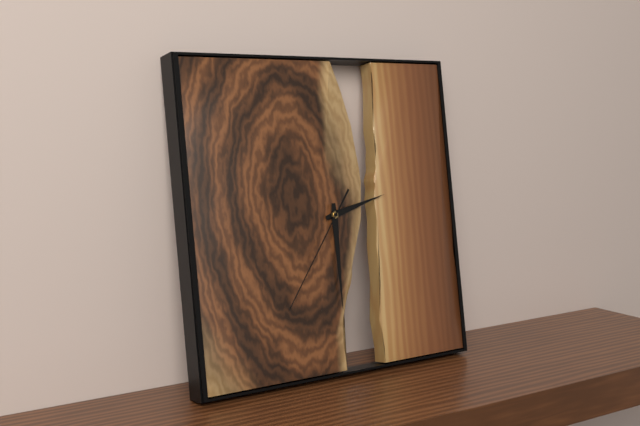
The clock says 2 h 30 min 36 s
